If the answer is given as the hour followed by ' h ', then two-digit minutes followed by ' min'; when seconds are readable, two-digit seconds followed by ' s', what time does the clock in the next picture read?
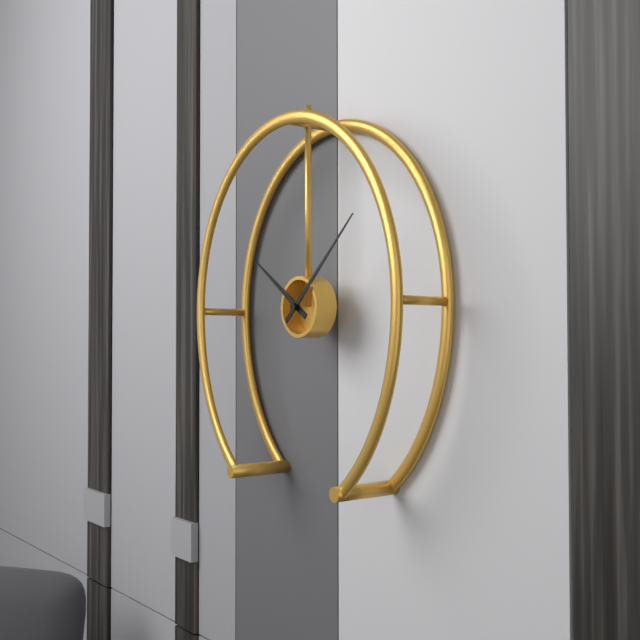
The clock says 10 h 08 min
